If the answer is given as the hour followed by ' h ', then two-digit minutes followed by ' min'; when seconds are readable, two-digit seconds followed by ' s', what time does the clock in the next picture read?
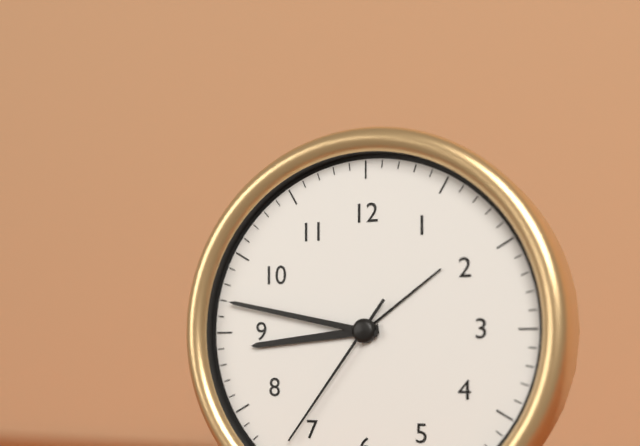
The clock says 8 h 47 min 36 s
